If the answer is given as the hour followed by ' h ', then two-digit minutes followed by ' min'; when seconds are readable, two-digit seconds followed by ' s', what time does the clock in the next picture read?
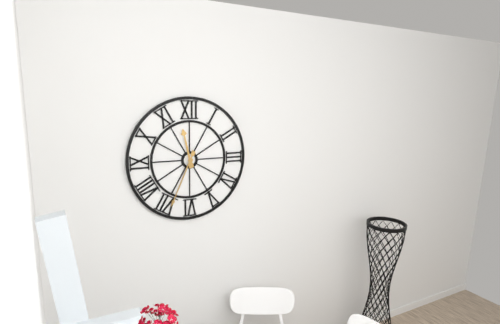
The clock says 11 h 34 min
